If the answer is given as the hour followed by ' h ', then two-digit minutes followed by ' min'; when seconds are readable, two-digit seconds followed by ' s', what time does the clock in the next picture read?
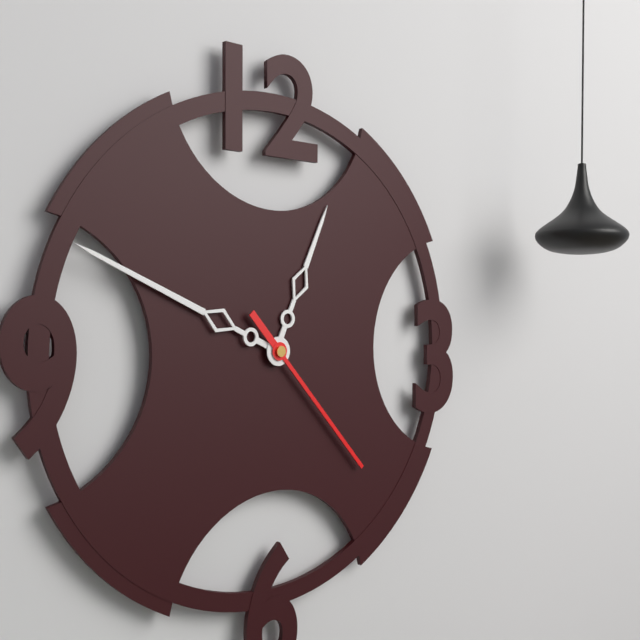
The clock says 12 h 49 min 23 s
